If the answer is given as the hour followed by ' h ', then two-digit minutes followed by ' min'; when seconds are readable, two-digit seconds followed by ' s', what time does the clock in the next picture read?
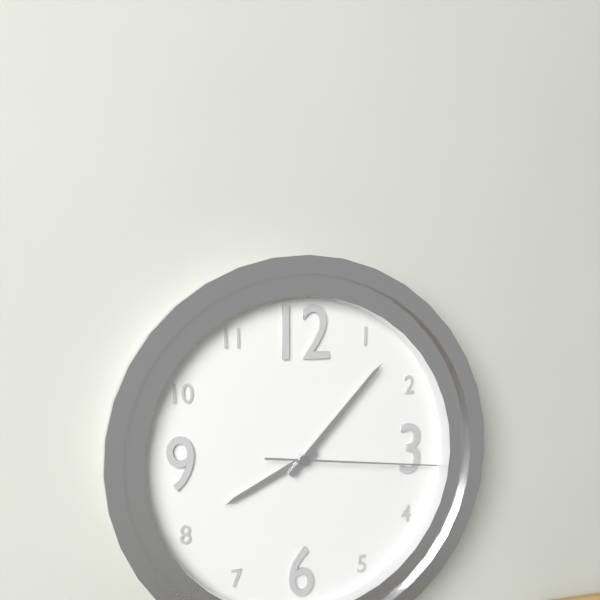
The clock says 8 h 07 min 16 s
